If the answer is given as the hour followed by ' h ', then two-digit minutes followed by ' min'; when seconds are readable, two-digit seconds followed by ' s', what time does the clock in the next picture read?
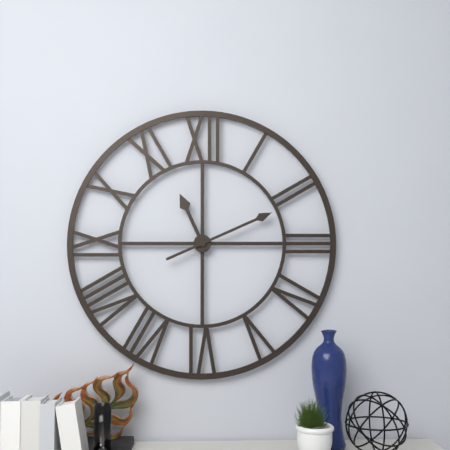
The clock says 11 h 11 min
